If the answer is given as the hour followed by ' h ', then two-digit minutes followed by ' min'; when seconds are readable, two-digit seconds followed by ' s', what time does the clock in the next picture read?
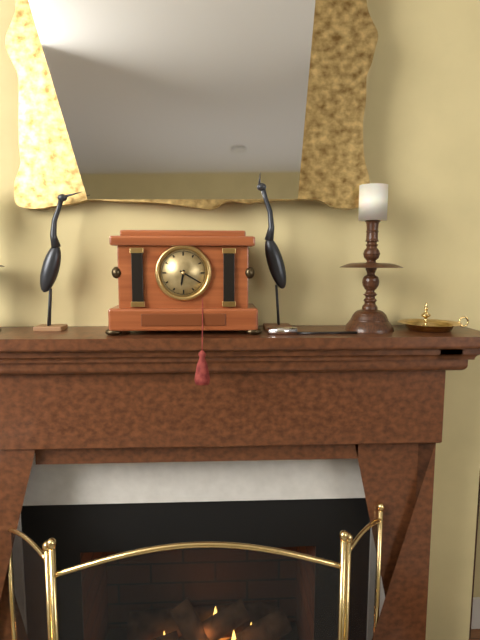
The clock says 6 h 20 min
